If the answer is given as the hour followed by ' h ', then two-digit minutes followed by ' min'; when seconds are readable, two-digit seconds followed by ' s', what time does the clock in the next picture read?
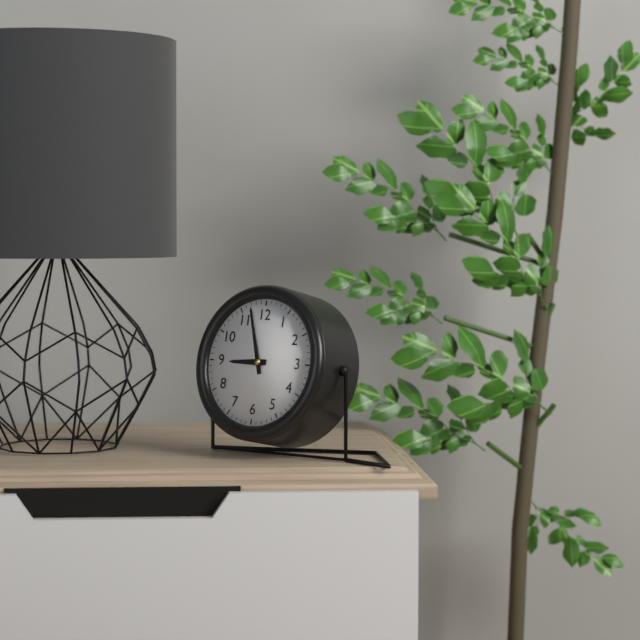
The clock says 8 h 57 min
